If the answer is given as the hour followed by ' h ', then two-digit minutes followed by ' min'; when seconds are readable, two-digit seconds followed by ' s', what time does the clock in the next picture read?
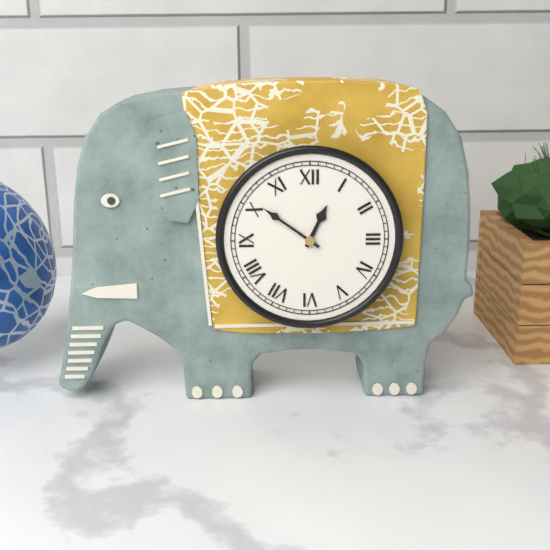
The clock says 12 h 51 min
